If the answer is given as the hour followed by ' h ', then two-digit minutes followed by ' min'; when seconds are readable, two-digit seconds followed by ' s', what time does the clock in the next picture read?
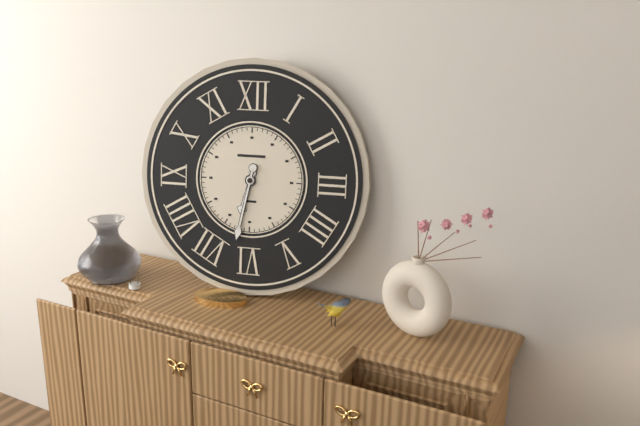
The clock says 6 h 32 min
